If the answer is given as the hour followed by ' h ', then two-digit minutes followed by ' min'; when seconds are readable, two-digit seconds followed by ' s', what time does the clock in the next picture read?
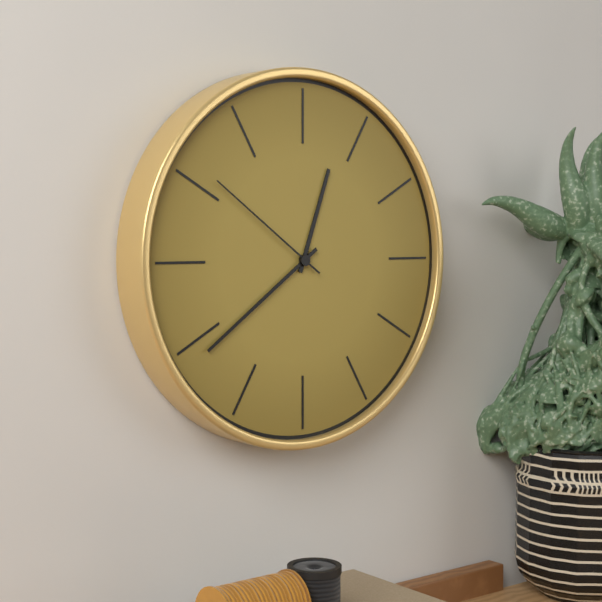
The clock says 12 h 39 min 51 s
